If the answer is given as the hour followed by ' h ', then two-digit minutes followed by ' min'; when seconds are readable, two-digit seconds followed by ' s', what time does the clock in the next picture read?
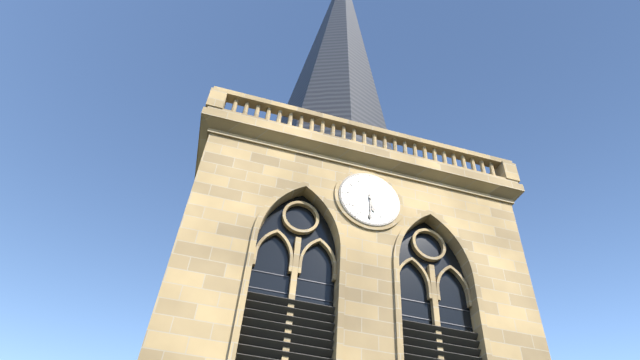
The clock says 5 h 30 min
